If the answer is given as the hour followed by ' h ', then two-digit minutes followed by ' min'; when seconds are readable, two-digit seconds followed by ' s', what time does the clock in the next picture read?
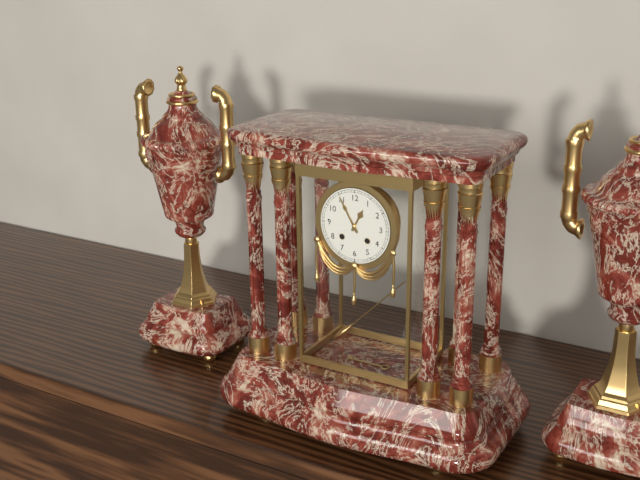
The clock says 12 h 55 min
